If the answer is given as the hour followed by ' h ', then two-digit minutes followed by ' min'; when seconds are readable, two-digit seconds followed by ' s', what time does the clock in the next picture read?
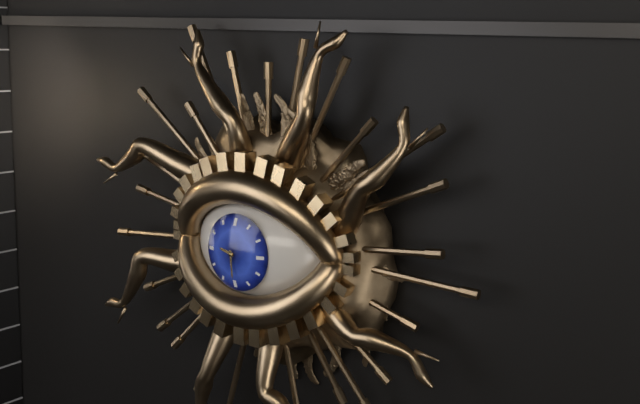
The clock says 9 h 29 min
